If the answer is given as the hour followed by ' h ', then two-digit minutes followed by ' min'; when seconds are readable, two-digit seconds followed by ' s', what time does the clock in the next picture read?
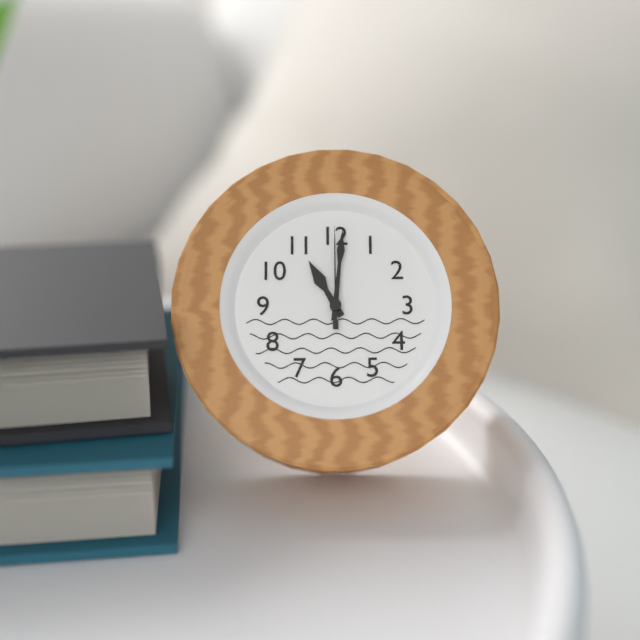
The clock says 11 h 01 min 00 s
